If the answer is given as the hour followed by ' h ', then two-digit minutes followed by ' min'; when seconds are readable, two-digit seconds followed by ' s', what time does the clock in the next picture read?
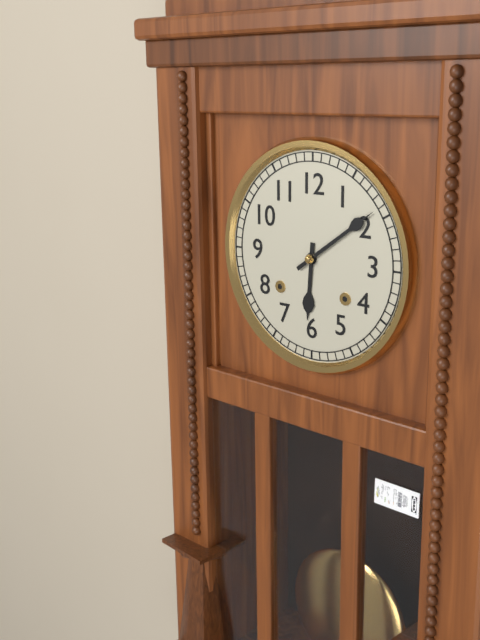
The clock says 6 h 09 min
